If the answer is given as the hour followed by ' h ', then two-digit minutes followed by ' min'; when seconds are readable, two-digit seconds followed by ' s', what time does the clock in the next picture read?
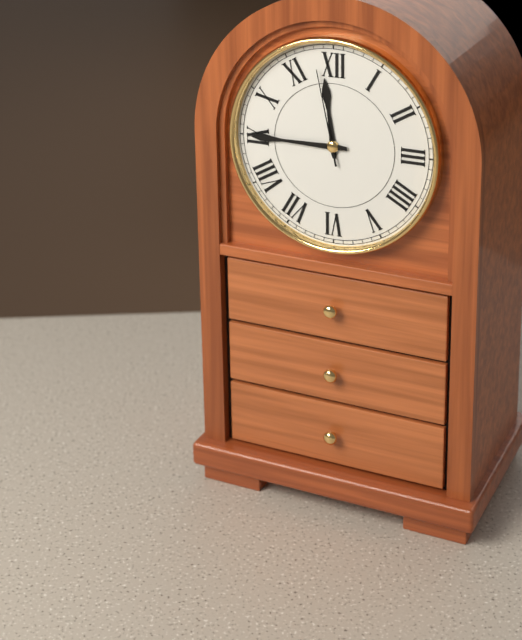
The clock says 11 h 45 min 58 s
